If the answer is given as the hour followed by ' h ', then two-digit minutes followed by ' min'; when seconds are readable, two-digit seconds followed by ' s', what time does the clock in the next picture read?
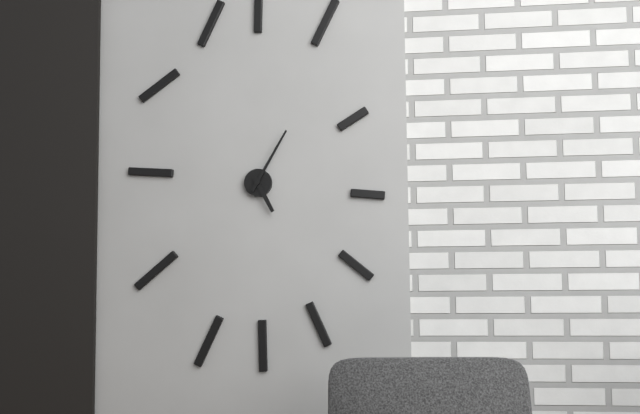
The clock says 5 h 05 min
